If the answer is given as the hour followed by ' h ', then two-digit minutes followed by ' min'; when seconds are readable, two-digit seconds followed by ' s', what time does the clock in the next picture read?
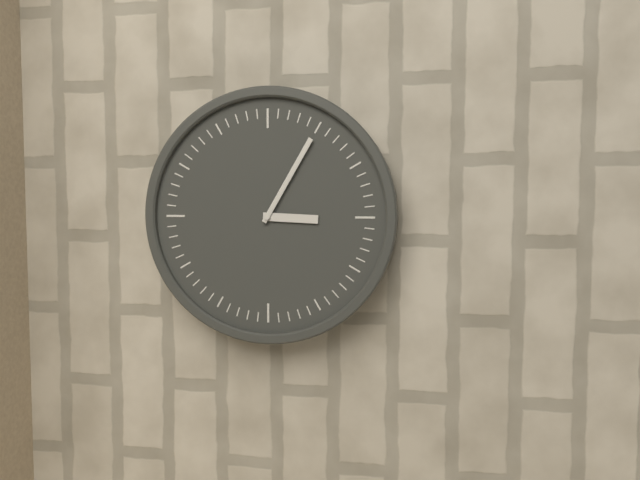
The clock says 3 h 05 min
